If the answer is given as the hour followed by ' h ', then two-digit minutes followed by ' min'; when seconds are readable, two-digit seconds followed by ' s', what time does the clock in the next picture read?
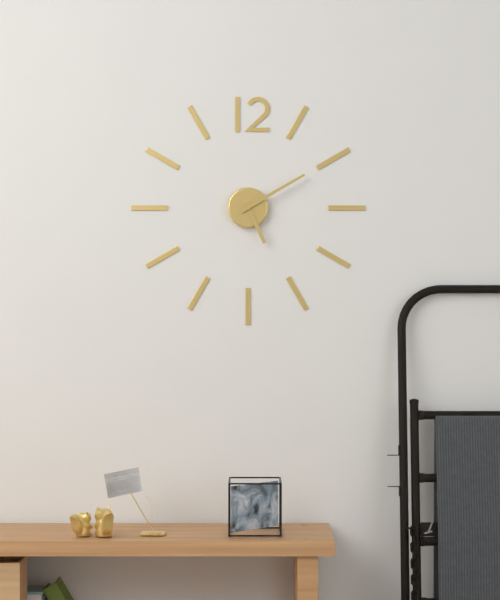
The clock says 5 h 10 min
